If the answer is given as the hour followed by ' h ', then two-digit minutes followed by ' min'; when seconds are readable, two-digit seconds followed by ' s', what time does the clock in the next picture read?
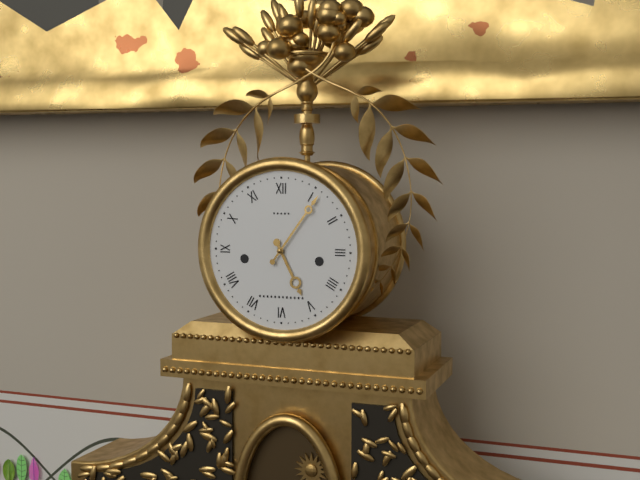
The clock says 5 h 06 min
